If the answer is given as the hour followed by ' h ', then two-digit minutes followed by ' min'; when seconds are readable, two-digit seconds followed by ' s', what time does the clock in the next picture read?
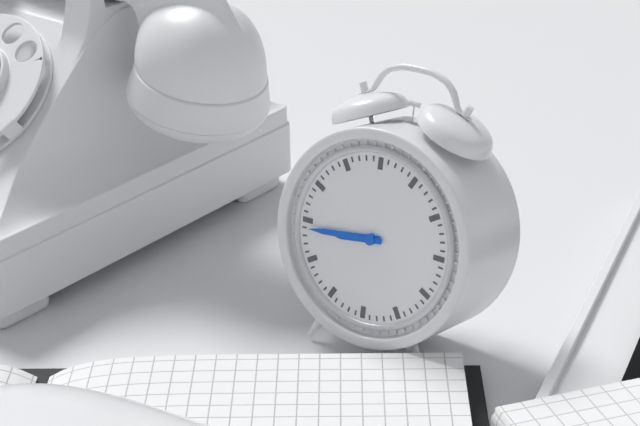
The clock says 8 h 44 min
